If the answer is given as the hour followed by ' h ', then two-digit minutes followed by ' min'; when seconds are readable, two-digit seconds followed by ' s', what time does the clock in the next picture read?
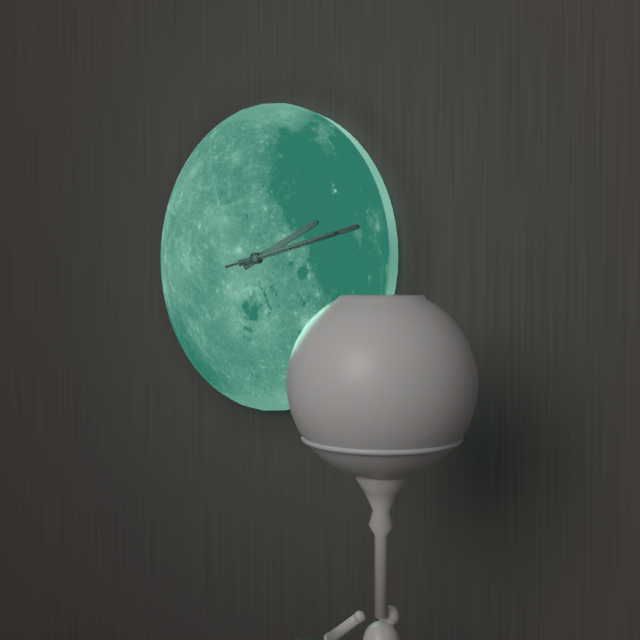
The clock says 2 h 13 min 13 s
